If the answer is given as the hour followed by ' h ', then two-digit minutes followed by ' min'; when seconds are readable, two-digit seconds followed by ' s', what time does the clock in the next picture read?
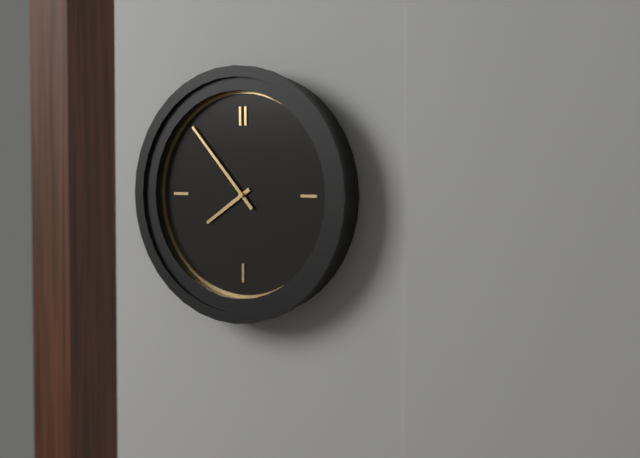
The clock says 7 h 53 min
